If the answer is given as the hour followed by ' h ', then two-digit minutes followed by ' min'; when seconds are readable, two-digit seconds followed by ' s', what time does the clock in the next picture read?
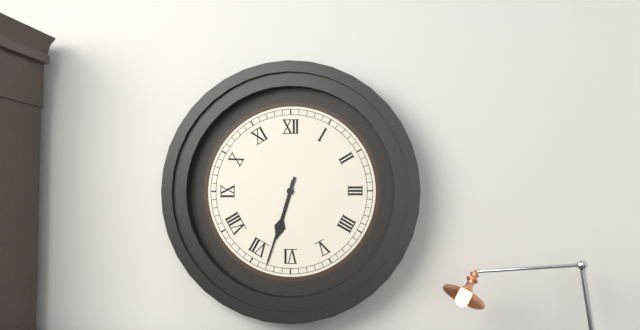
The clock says 6 h 33 min
